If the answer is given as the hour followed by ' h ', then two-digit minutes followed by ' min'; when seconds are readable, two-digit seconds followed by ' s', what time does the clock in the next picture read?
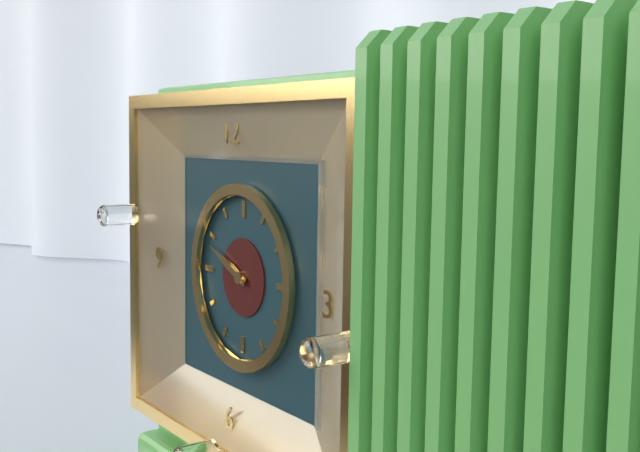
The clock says 9 h 49 min
